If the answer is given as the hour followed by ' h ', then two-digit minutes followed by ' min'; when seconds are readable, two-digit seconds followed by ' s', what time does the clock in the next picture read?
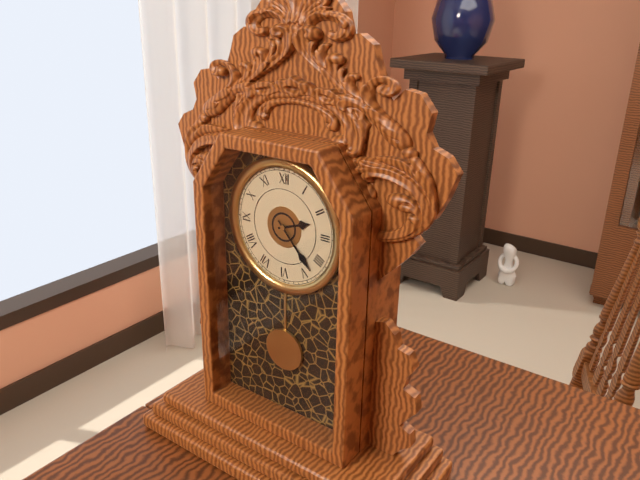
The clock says 2 h 23 min
